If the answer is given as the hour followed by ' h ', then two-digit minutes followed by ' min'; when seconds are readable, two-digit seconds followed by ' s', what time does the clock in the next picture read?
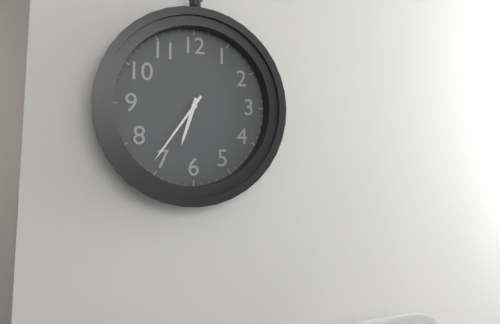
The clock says 6 h 36 min
